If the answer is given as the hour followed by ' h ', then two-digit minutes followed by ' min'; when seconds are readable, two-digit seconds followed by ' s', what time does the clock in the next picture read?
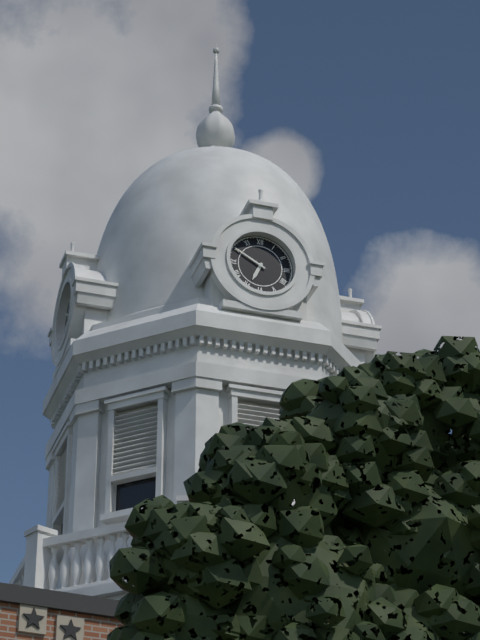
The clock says 6 h 50 min
